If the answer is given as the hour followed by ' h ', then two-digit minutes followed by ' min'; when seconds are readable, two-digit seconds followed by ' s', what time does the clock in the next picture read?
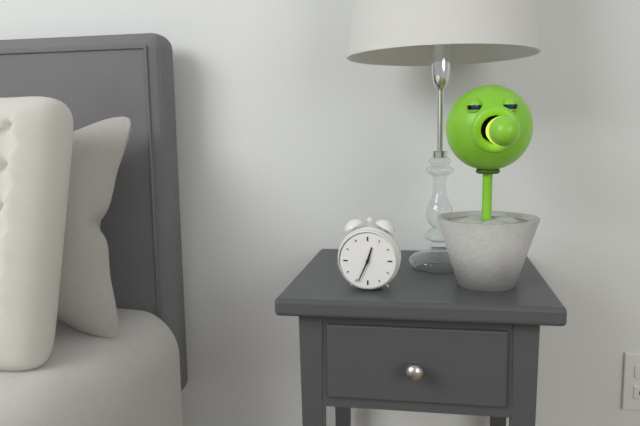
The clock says 12 h 34 min
